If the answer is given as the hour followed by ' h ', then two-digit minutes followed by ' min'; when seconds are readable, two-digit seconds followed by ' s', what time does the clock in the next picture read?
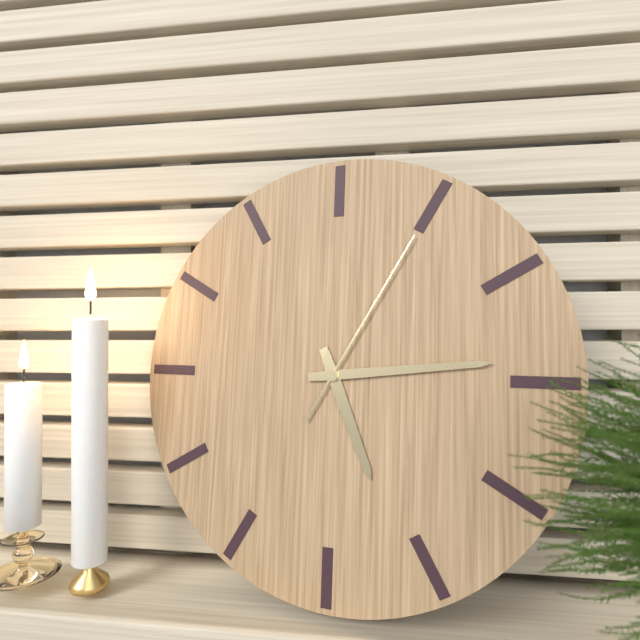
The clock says 5 h 14 min 05 s
